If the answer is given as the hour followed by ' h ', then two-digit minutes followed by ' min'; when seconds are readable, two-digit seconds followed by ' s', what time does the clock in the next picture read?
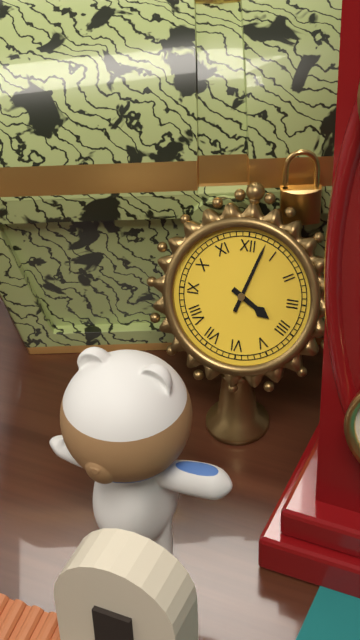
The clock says 4 h 03 min
